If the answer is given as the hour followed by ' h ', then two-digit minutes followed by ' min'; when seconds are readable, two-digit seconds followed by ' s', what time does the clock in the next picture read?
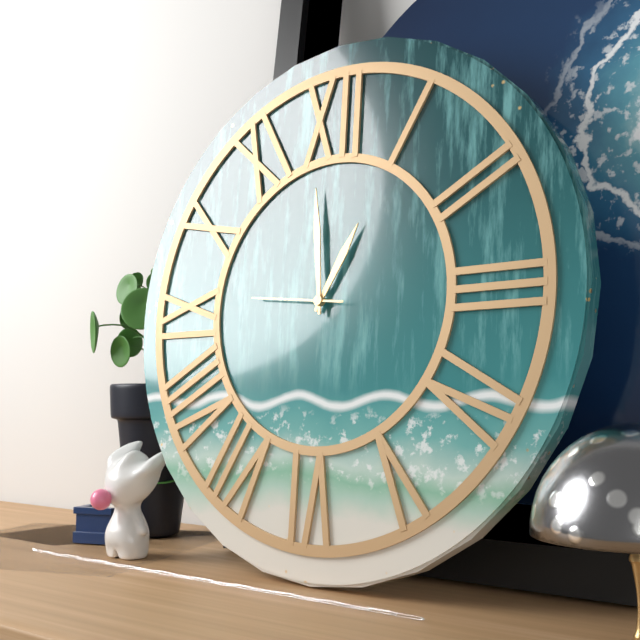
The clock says 12 h 59 min 46 s
